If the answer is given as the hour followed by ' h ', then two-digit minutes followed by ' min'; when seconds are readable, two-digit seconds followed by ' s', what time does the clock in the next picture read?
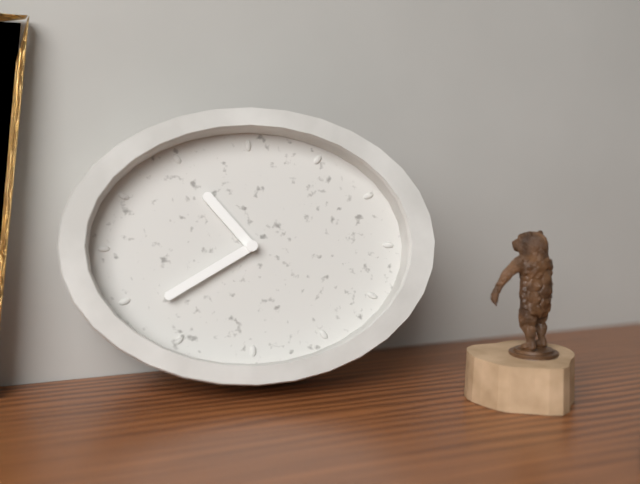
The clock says 10 h 40 min
